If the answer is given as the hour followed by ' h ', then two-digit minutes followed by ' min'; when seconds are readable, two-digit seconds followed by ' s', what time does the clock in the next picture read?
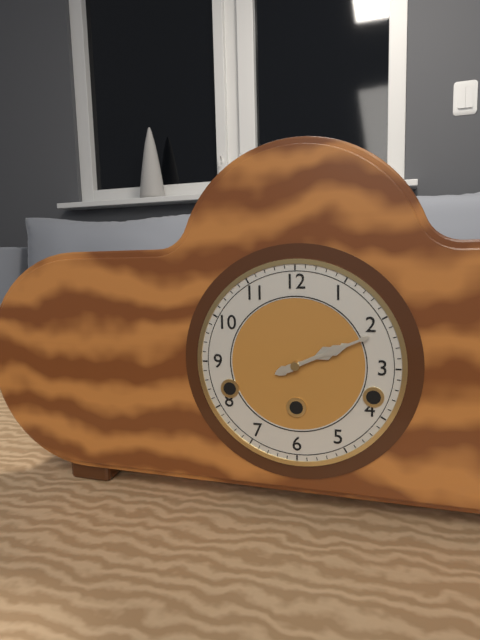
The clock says 2 h 11 min
